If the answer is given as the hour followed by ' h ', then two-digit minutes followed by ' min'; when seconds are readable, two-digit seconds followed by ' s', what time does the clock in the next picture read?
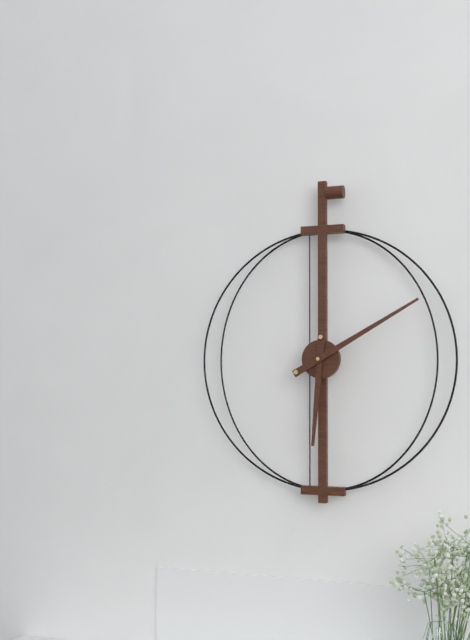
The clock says 6 h 10 min
